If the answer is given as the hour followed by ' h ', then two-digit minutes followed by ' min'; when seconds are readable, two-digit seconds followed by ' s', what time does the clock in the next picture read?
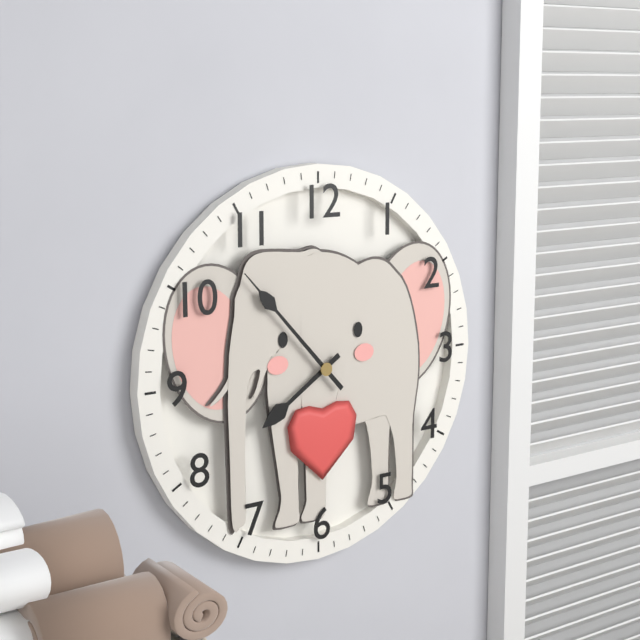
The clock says 7 h 53 min
